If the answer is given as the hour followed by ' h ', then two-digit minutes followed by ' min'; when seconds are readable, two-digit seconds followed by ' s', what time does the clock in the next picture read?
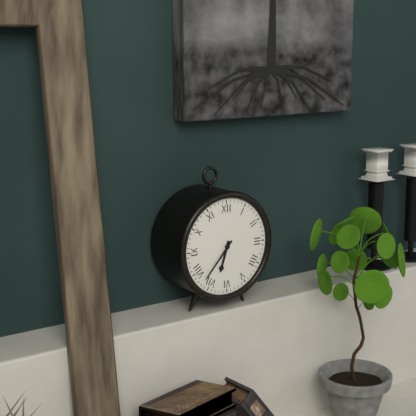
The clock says 6 h 37 min
